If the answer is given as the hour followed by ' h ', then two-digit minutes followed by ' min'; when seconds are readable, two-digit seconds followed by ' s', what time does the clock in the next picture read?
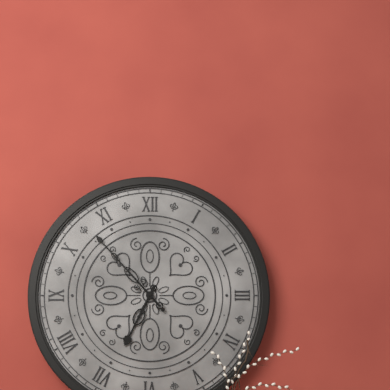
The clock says 6 h 53 min
